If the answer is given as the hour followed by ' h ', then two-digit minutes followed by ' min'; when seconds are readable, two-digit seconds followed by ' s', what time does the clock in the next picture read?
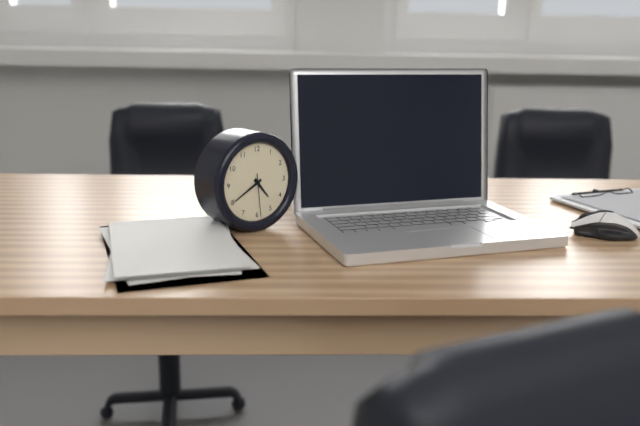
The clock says 4 h 40 min
